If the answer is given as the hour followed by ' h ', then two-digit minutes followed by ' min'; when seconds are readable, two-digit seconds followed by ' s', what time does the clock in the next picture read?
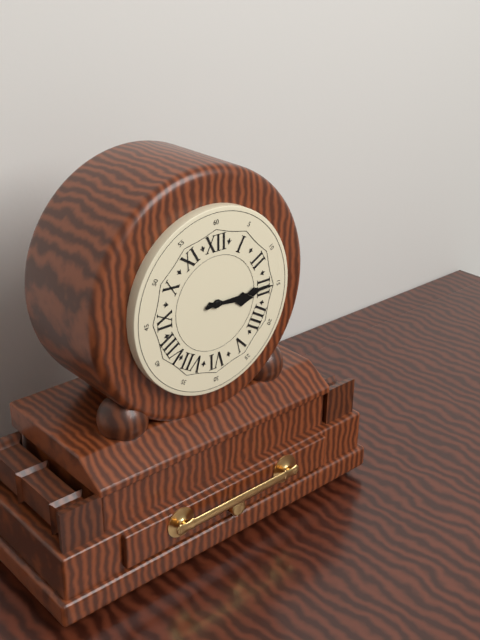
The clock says 3 h 15 min
